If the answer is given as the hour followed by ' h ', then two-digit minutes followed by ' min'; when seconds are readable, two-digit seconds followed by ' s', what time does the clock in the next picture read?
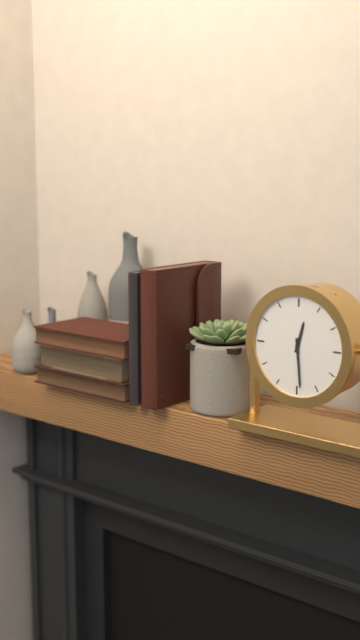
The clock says 12 h 29 min
